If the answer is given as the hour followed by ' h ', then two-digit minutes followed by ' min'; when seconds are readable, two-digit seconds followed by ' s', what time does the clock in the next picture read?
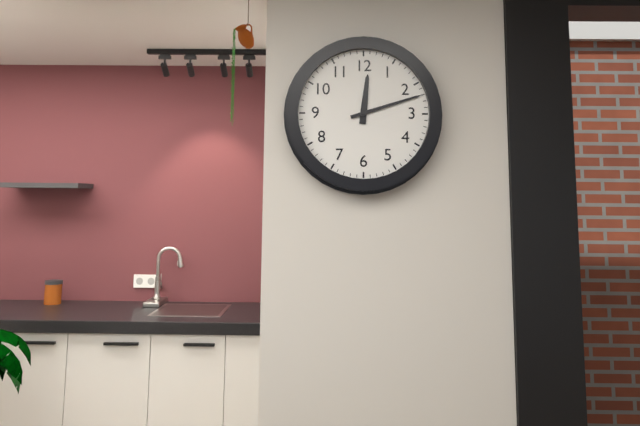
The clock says 12 h 12 min
